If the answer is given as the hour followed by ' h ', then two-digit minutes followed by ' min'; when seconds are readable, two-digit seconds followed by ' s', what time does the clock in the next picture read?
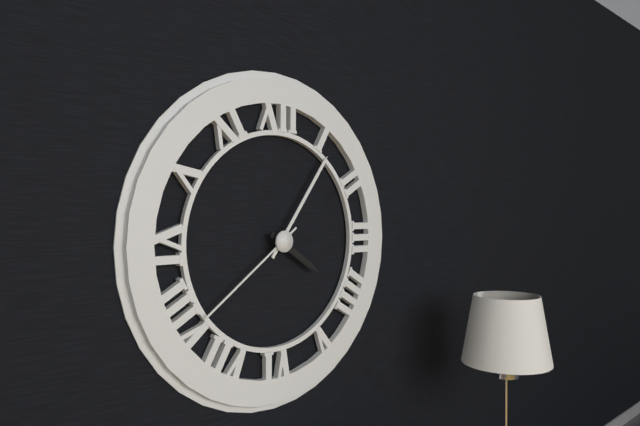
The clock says 4 h 06 min 39 s
